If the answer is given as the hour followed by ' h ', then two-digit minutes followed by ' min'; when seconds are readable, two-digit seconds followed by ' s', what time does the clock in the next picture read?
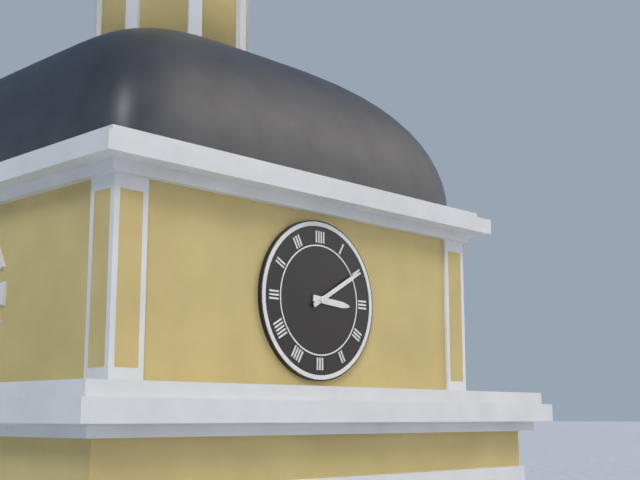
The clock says 3 h 10 min
